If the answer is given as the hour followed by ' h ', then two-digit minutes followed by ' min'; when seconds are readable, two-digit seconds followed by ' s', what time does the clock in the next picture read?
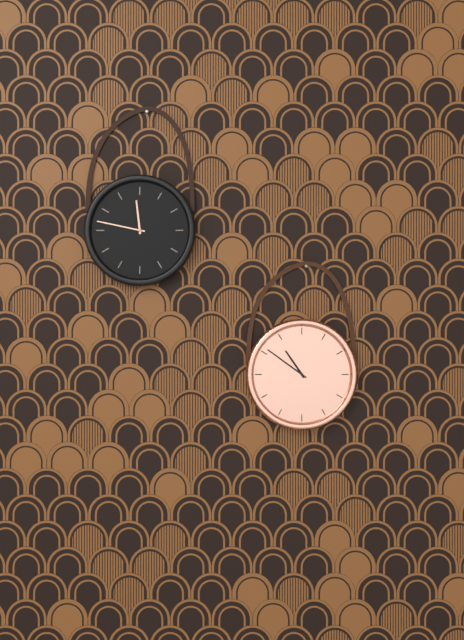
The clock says 10 h 51 min
